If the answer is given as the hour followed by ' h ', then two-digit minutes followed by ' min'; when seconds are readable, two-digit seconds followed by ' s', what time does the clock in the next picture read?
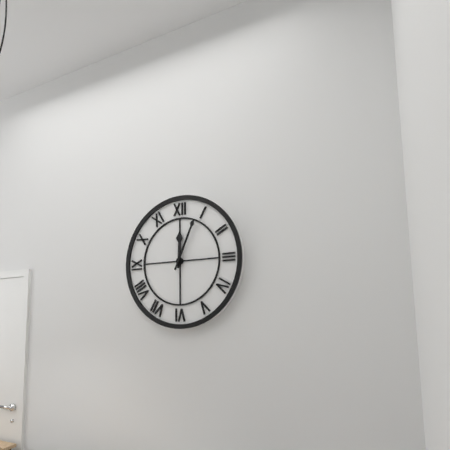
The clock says 12 h 04 min
